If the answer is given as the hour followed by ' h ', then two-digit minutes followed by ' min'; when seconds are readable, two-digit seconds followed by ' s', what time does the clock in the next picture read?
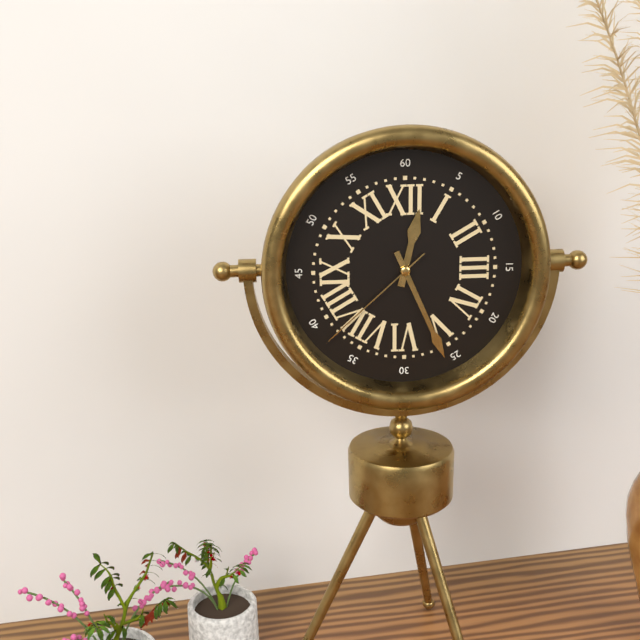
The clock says 12 h 26 min 38 s
